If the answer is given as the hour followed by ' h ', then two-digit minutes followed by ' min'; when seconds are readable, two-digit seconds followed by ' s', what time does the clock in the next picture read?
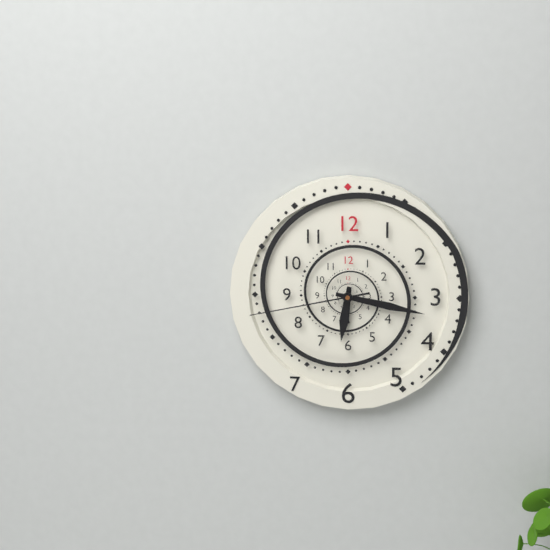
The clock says 6 h 17 min 43 s
